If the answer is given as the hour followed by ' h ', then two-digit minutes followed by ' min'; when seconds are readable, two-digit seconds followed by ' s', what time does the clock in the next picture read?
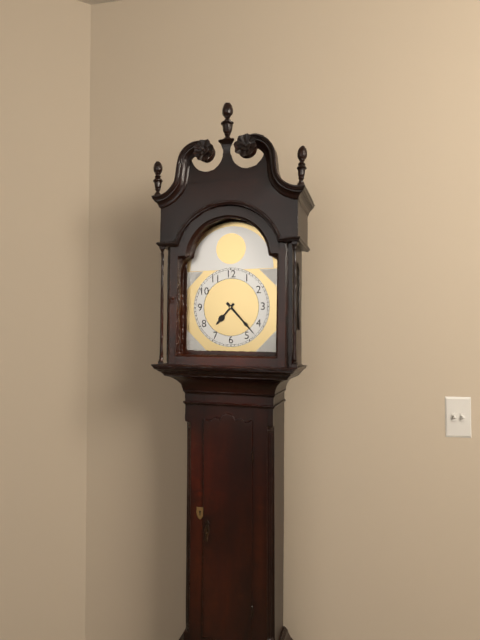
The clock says 7 h 23 min
